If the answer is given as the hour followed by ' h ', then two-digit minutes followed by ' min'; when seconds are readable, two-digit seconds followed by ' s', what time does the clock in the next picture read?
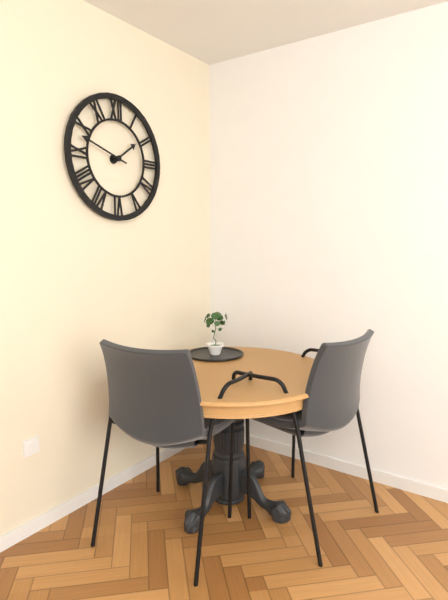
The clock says 1 h 48 min
